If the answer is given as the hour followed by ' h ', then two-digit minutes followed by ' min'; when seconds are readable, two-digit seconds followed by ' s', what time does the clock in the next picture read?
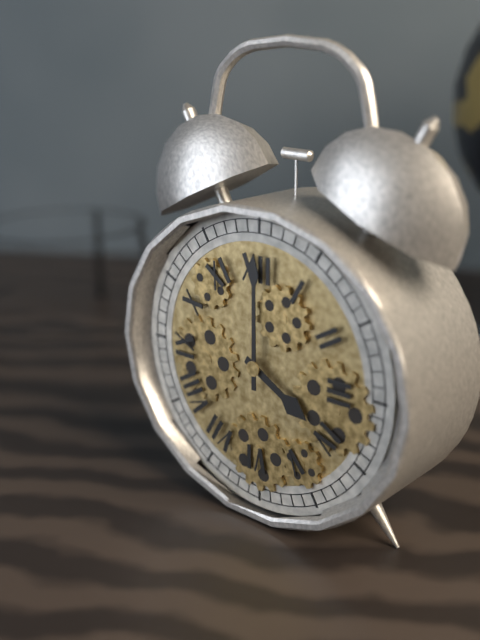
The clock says 4 h 00 min
